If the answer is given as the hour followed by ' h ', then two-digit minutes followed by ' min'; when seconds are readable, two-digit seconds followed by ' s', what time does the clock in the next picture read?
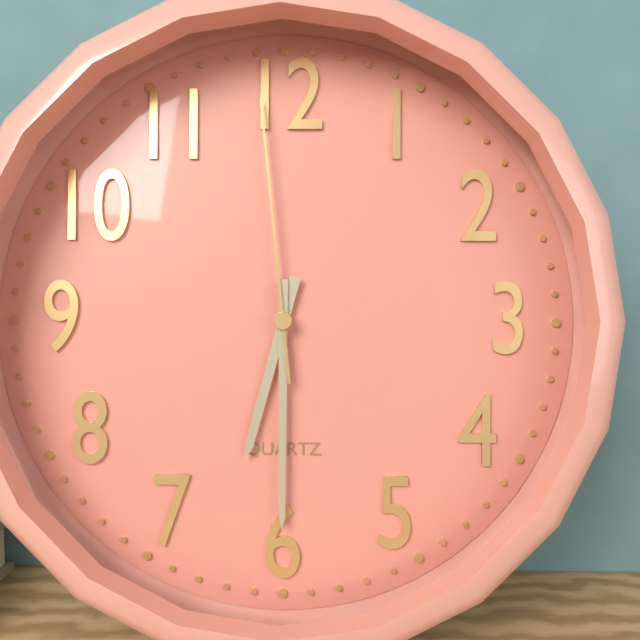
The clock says 6 h 30 min 59 s
